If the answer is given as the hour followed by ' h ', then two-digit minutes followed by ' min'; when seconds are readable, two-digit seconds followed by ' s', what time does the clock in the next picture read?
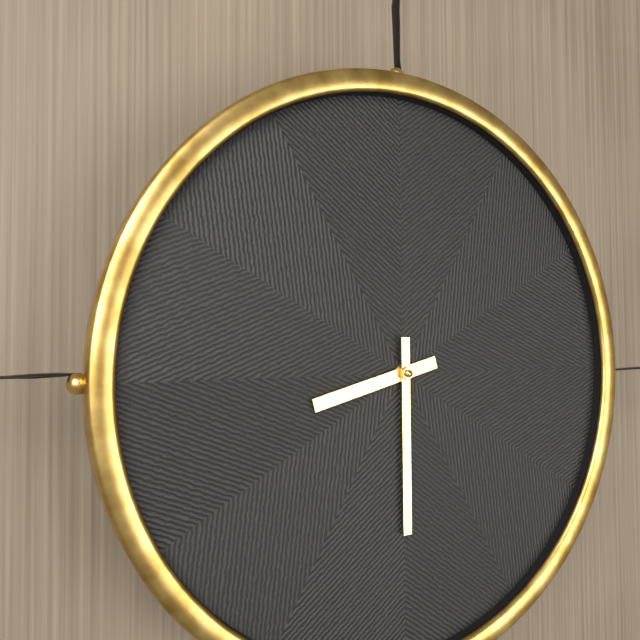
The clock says 8 h 30 min
